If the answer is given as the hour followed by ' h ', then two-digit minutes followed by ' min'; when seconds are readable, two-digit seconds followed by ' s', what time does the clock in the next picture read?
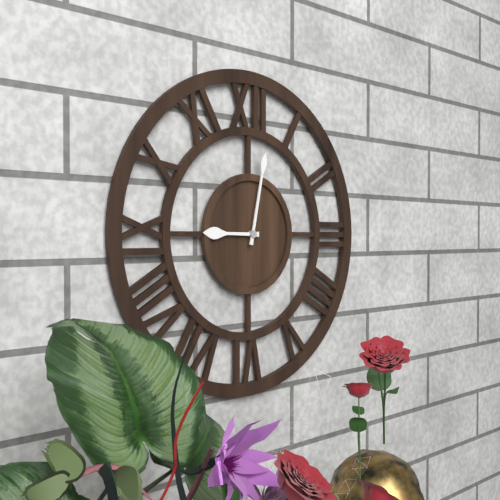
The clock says 9 h 02 min
